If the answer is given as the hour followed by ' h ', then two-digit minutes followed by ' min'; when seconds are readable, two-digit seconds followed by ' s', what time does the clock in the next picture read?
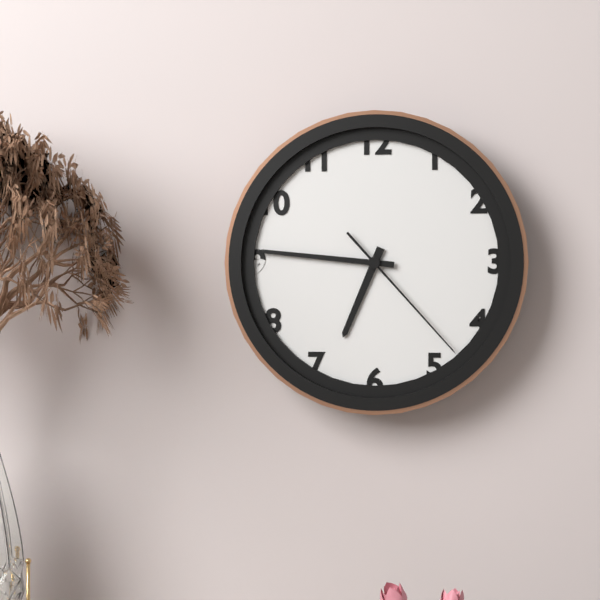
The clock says 6 h 46 min 23 s
